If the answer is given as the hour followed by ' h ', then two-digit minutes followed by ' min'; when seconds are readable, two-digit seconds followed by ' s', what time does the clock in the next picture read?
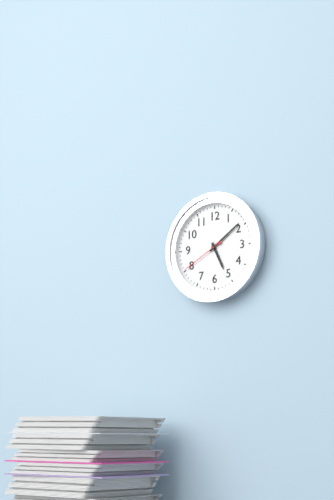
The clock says 5 h 09 min
